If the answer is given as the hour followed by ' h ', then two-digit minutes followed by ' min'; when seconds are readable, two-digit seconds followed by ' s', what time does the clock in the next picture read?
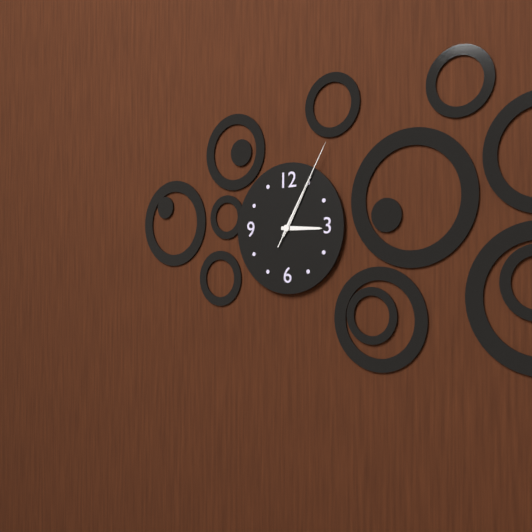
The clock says 3 h 05 min 05 s
